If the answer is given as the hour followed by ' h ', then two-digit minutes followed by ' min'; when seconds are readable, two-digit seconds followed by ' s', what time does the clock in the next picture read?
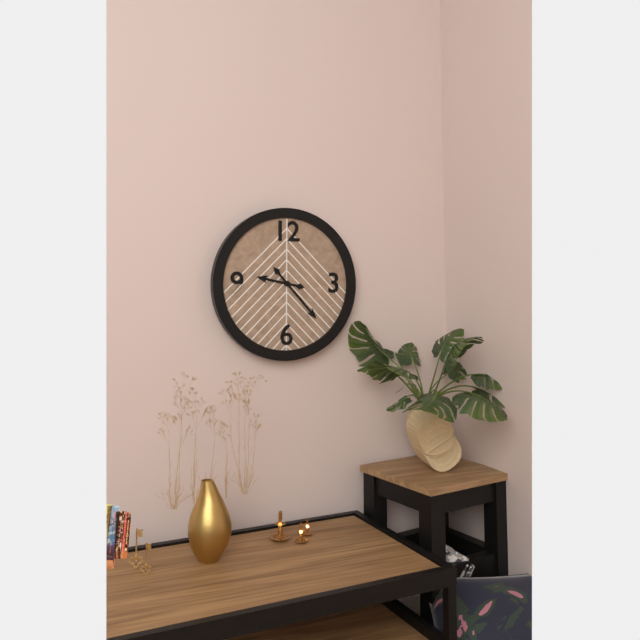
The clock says 9 h 23 min
